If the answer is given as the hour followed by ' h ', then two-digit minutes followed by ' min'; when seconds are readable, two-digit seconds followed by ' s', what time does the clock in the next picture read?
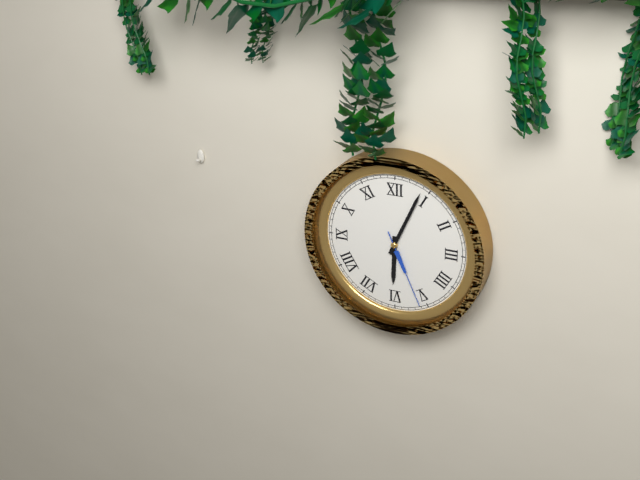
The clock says 6 h 04 min 26 s
